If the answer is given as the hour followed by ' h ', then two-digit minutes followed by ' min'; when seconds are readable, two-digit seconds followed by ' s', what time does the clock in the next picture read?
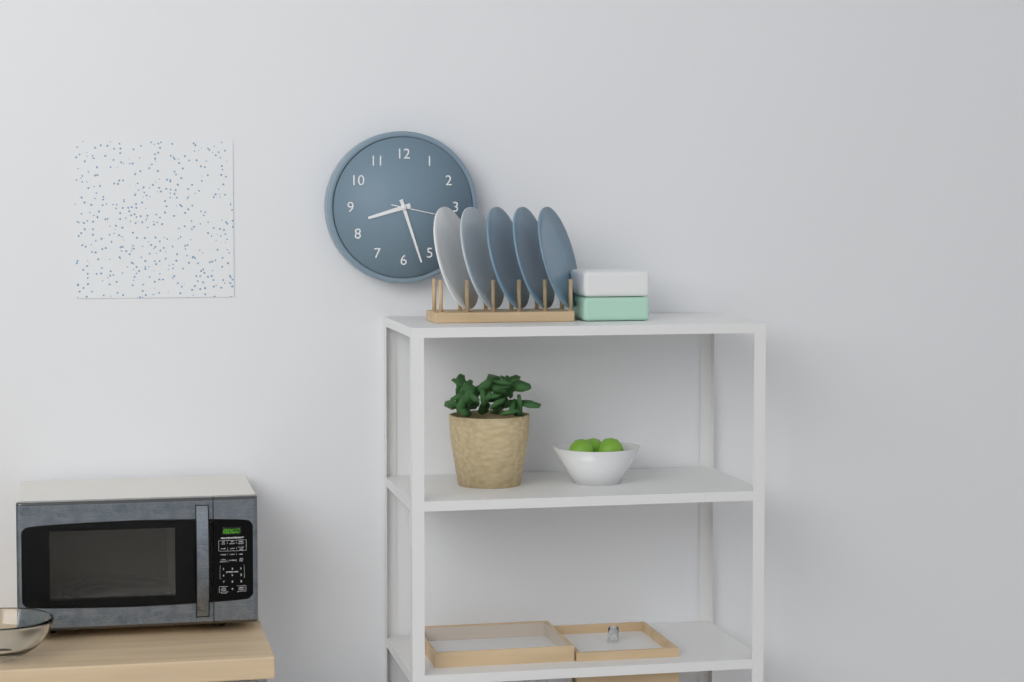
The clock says 8 h 27 min
